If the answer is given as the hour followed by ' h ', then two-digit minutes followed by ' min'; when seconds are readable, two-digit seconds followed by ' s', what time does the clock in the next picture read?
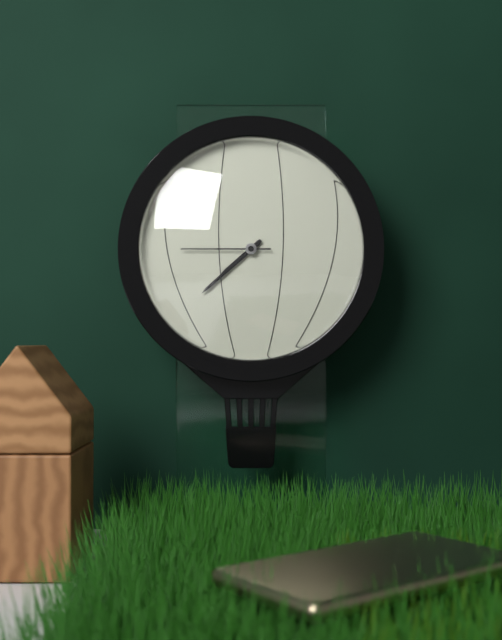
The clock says 7 h 38 min 45 s
